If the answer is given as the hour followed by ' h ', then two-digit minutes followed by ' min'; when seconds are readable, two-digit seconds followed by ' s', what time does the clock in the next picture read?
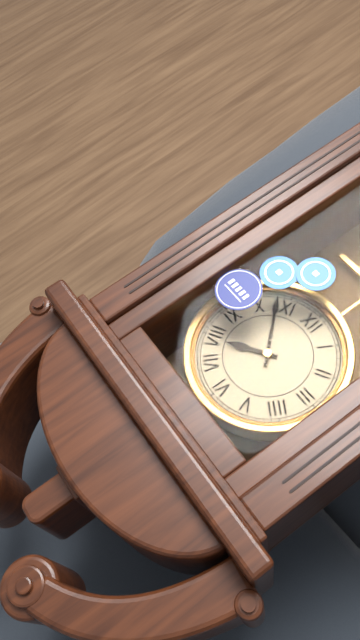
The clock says 7 h 53 min
